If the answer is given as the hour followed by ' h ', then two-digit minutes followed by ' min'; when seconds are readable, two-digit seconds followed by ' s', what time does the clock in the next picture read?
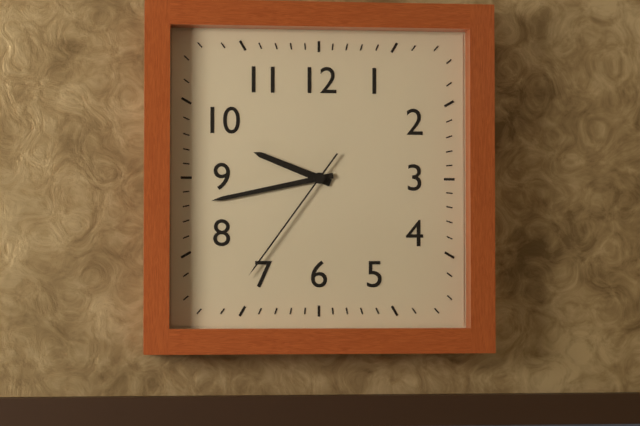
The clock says 9 h 43 min 36 s
